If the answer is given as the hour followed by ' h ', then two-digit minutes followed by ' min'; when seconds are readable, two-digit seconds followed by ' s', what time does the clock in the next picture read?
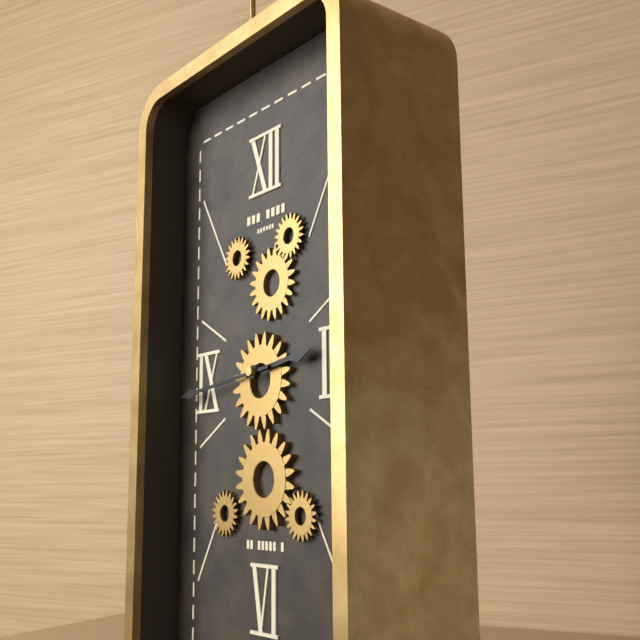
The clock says 2 h 44 min
